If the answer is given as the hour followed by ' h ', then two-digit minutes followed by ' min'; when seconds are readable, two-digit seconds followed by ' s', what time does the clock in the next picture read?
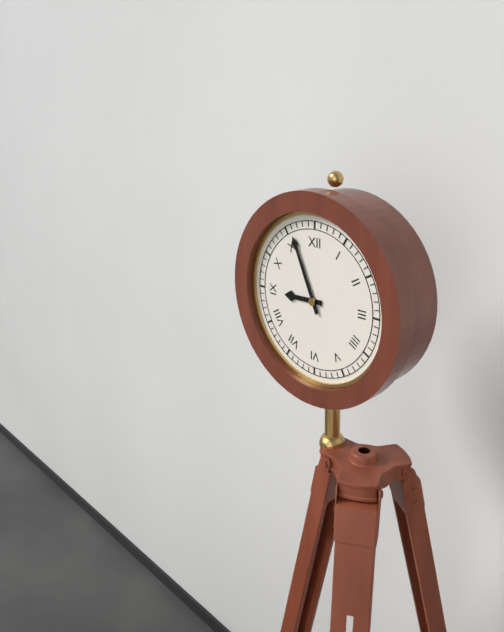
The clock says 8 h 56 min
